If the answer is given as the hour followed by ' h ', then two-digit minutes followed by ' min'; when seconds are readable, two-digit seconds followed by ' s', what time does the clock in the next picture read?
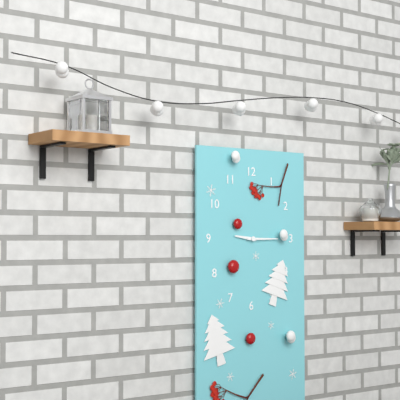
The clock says 9 h 15 min
